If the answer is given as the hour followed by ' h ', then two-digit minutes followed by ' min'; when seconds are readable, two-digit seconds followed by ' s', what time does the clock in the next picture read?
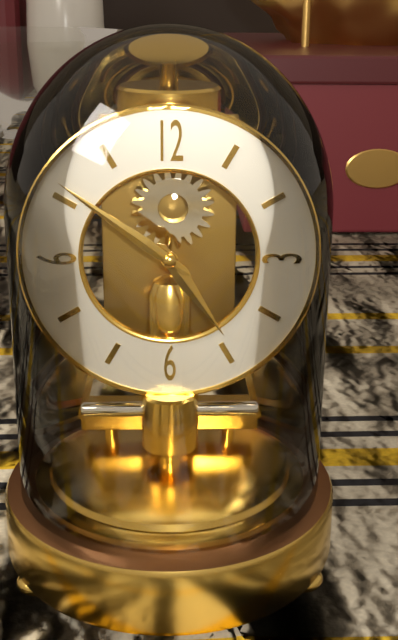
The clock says 4 h 51 min
